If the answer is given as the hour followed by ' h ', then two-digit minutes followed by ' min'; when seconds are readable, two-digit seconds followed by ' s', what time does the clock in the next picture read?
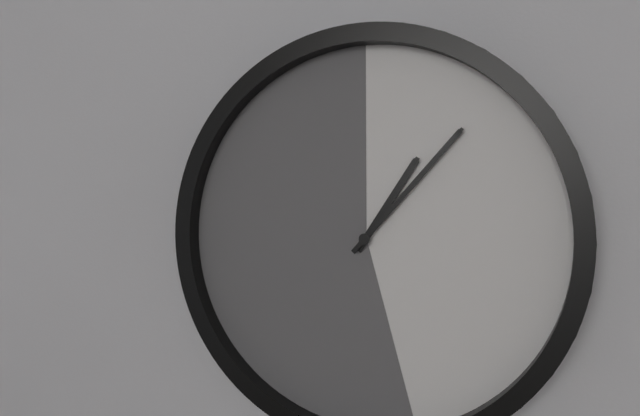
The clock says 1 h 07 min
